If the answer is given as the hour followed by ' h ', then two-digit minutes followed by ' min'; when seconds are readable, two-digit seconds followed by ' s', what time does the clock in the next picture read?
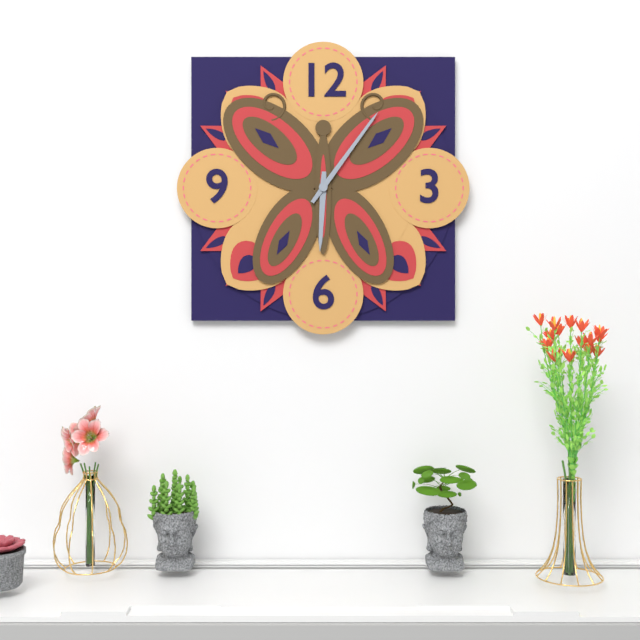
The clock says 6 h 06 min
